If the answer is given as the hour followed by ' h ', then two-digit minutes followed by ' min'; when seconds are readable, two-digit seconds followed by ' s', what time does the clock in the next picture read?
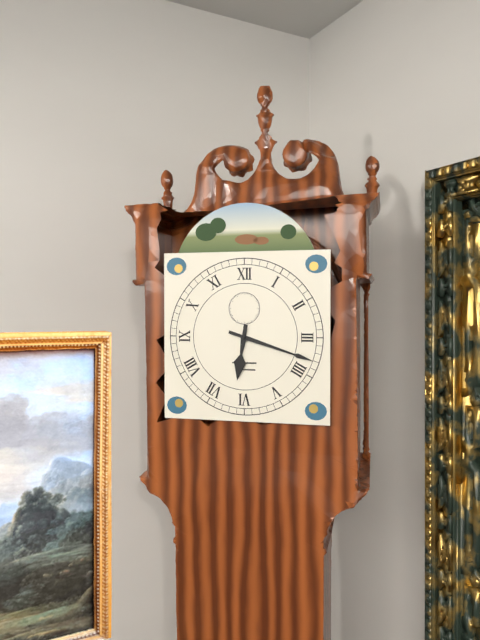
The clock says 6 h 18 min
